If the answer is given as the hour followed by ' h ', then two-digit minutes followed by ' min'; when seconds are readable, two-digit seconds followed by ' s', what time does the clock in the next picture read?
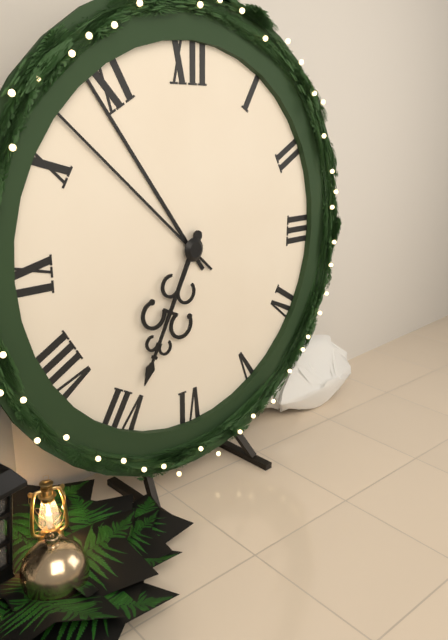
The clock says 6 h 54 min 52 s
